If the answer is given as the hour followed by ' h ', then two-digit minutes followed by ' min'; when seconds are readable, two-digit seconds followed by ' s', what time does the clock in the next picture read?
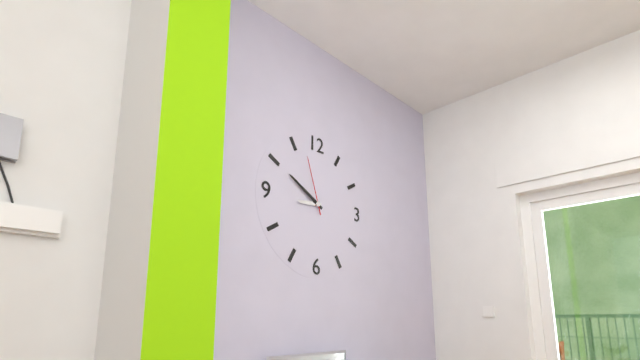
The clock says 8 h 50 min 57 s
